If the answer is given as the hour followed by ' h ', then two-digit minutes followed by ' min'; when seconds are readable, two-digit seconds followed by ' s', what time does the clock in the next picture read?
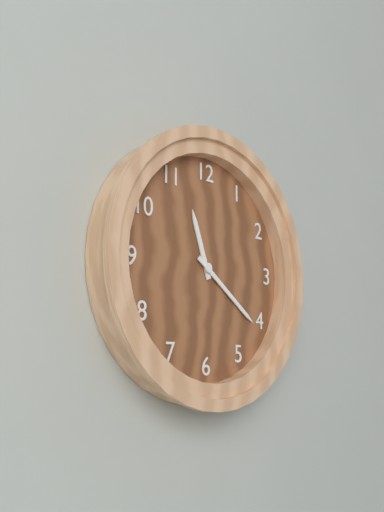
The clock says 11 h 21 min
